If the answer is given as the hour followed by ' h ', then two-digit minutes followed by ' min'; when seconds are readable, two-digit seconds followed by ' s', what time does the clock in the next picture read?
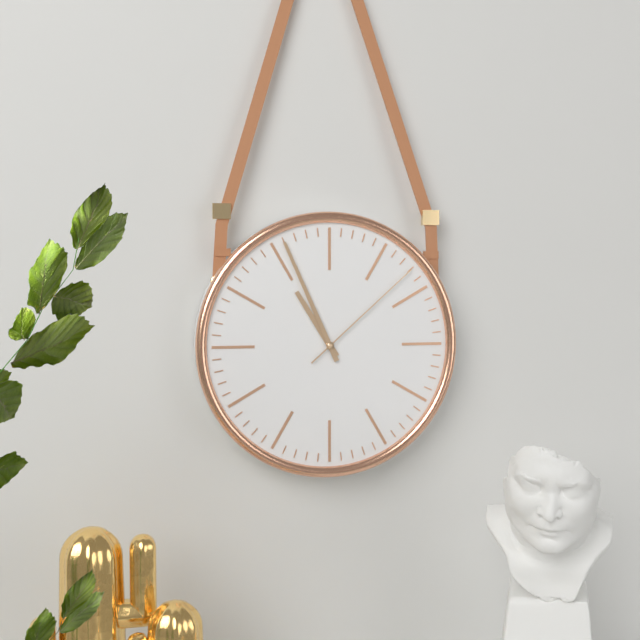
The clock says 10 h 56 min 08 s
